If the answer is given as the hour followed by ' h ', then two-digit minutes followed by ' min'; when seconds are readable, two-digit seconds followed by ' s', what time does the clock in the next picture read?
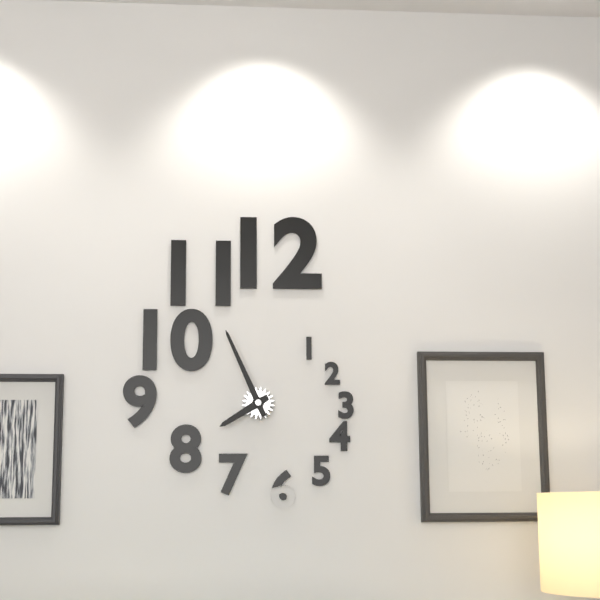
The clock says 7 h 56 min
